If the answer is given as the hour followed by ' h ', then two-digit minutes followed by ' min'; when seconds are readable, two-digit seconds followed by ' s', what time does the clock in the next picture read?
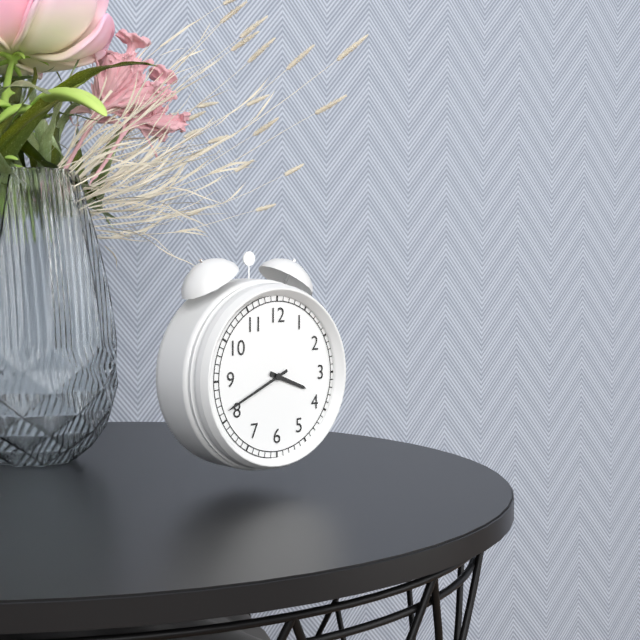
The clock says 3 h 41 min
